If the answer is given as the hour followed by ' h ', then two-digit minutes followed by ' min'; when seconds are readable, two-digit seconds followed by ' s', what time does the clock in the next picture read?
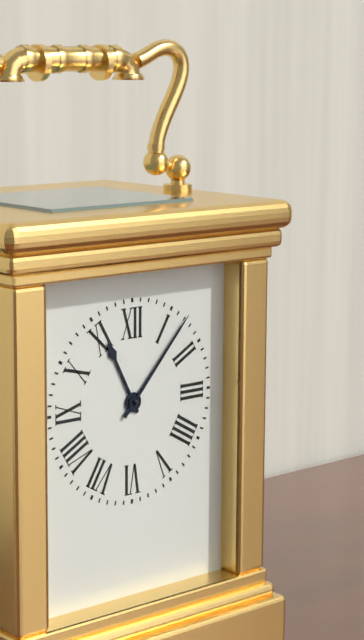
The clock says 11 h 07 min
